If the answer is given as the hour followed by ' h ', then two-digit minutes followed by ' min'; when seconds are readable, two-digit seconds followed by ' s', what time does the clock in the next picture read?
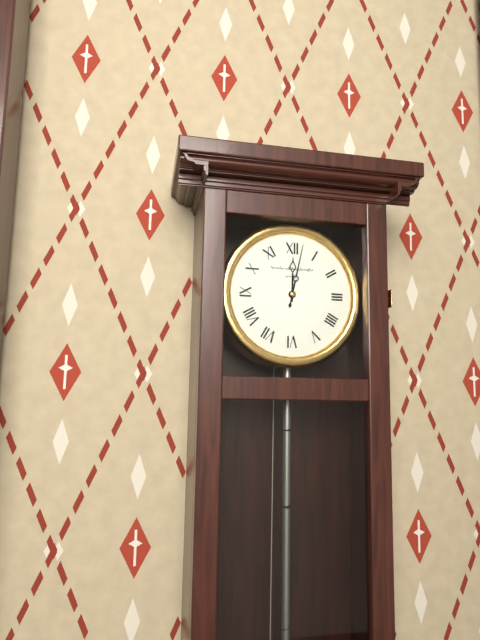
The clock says 12 h 02 min
